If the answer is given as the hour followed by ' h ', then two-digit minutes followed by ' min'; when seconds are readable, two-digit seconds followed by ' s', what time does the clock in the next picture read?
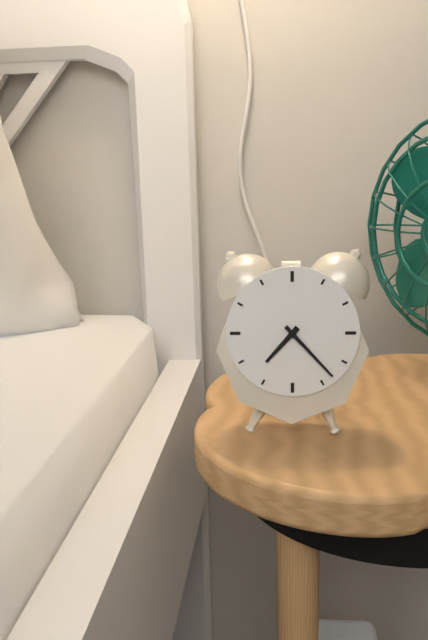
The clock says 7 h 23 min
